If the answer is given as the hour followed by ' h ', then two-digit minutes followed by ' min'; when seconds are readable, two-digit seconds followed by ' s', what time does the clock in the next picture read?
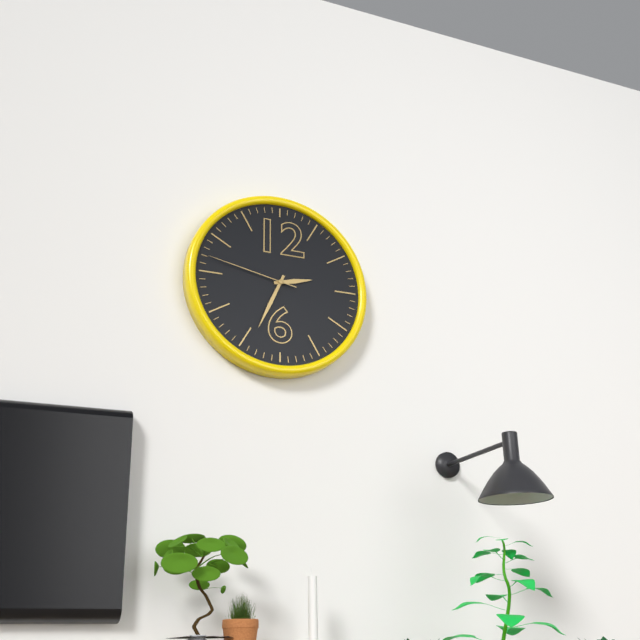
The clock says 2 h 34 min 47 s
